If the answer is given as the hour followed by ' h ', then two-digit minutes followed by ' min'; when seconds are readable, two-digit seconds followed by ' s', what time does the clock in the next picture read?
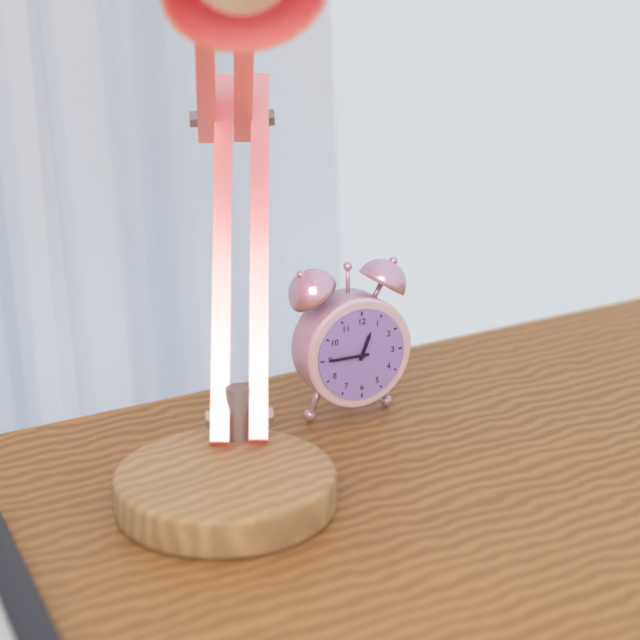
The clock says 12 h 45 min
